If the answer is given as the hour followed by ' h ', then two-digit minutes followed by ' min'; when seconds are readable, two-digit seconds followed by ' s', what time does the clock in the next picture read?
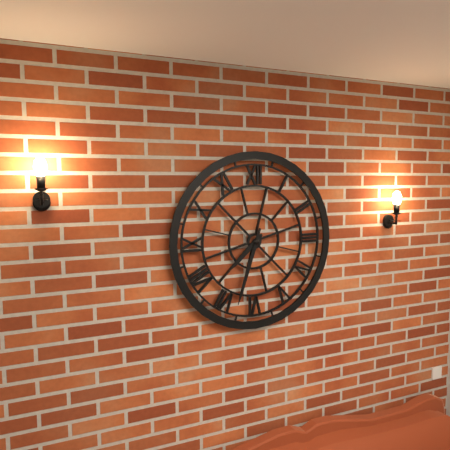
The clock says 7 h 33 min
